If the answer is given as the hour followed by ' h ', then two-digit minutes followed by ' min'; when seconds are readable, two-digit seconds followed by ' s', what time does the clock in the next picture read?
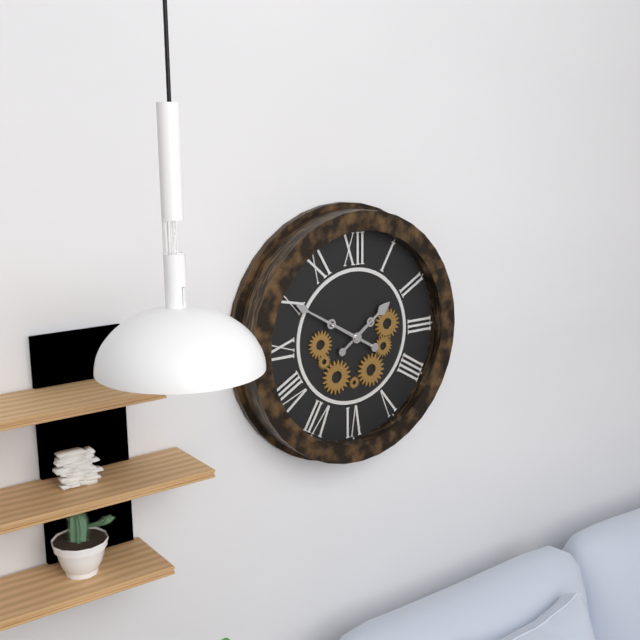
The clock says 1 h 50 min
